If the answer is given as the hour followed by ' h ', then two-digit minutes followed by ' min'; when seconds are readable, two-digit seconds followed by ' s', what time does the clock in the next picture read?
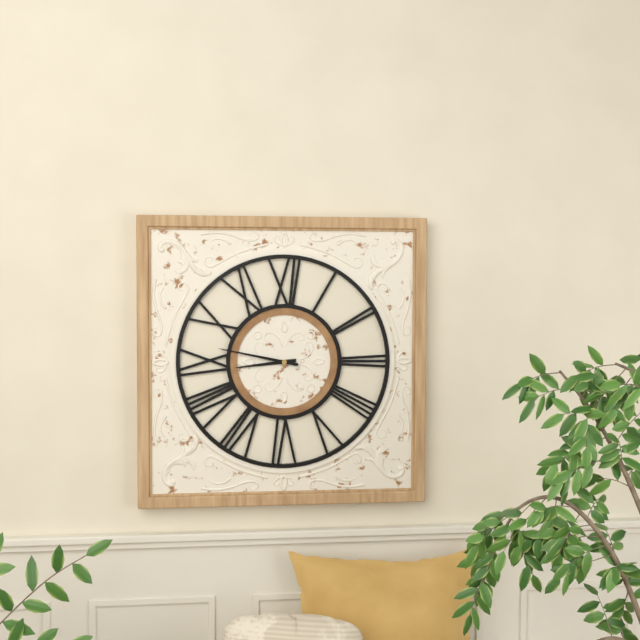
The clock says 8 h 47 min
